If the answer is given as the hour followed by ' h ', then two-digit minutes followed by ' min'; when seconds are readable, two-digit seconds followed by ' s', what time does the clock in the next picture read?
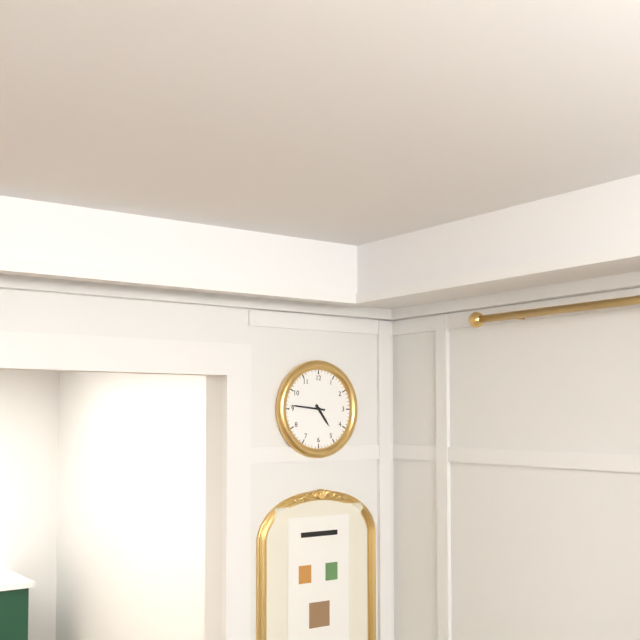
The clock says 4 h 46 min
